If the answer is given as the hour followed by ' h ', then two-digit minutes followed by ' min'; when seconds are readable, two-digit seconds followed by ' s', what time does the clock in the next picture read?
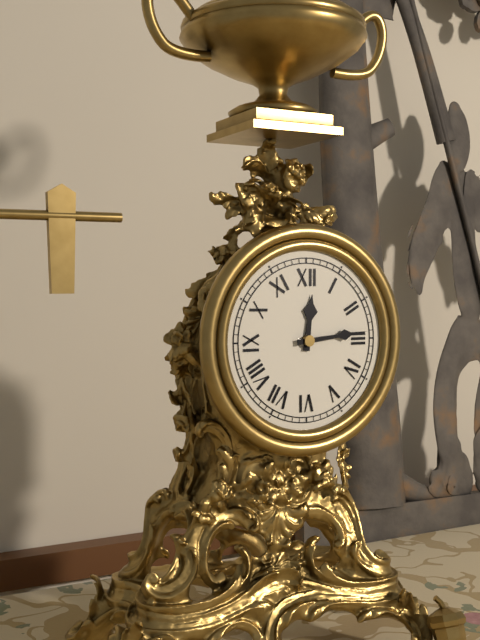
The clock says 12 h 14 min
